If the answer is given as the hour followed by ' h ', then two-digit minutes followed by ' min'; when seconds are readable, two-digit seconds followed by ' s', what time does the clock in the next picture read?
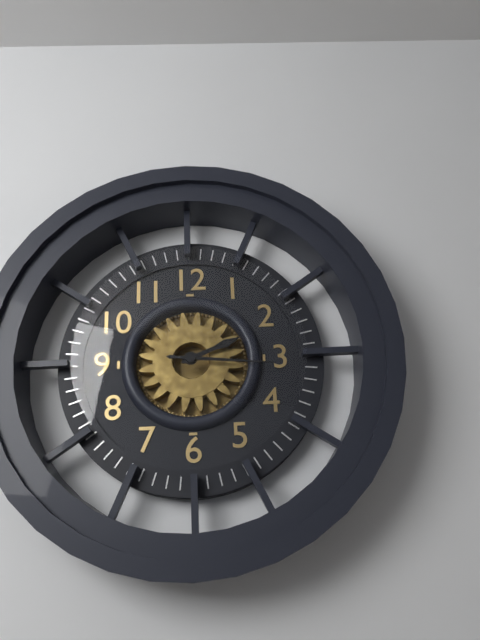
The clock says 2 h 16 min
